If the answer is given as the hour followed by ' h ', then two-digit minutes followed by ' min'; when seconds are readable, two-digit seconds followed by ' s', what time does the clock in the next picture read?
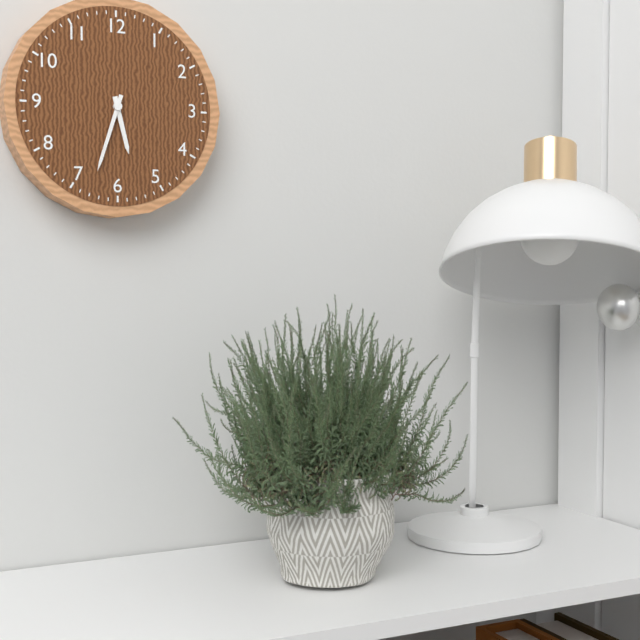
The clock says 5 h 33 min
